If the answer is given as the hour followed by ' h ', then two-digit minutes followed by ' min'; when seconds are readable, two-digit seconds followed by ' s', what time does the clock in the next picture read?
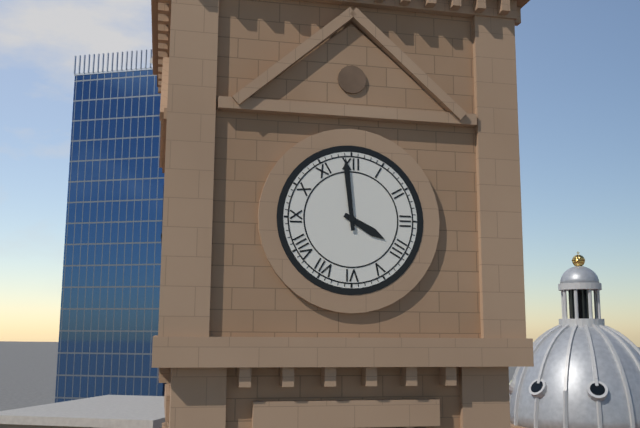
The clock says 3 h 59 min
